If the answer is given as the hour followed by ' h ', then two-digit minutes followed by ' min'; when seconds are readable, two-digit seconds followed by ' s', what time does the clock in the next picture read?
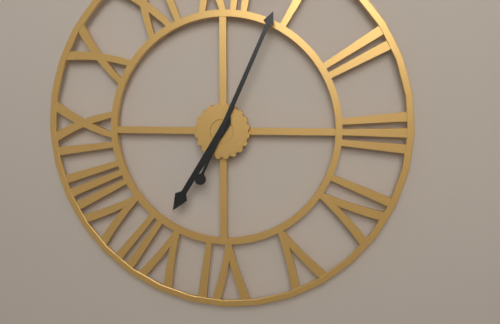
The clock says 7 h 04 min
